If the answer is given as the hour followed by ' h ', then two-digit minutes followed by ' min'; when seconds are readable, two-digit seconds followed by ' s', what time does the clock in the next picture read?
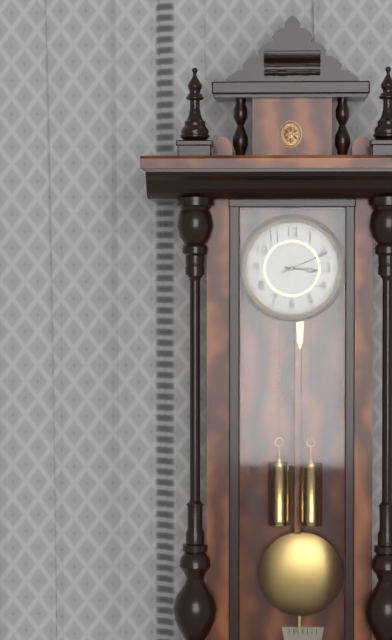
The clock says 3 h 11 min
